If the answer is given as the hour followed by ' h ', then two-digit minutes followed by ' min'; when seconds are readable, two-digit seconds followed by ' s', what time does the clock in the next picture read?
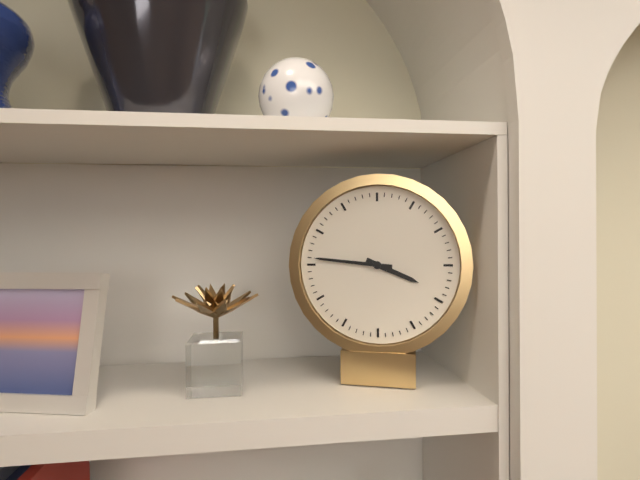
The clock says 3 h 46 min
